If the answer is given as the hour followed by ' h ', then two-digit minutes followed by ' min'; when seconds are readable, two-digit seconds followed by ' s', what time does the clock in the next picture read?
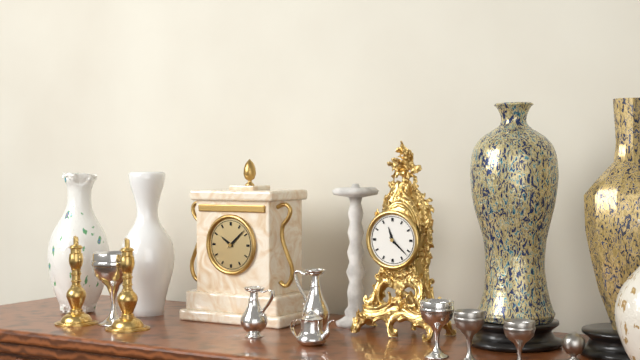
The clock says 11 h 22 min
